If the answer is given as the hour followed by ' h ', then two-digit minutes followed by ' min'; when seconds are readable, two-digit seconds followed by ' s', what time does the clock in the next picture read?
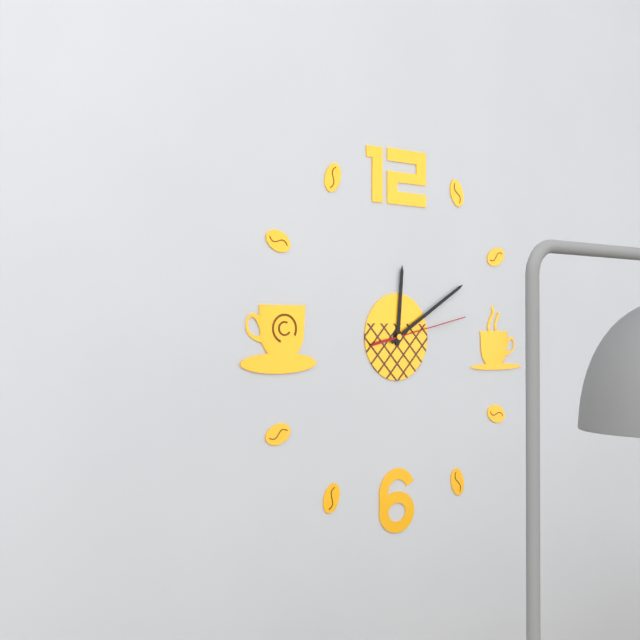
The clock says 12 h 10 min 13 s
